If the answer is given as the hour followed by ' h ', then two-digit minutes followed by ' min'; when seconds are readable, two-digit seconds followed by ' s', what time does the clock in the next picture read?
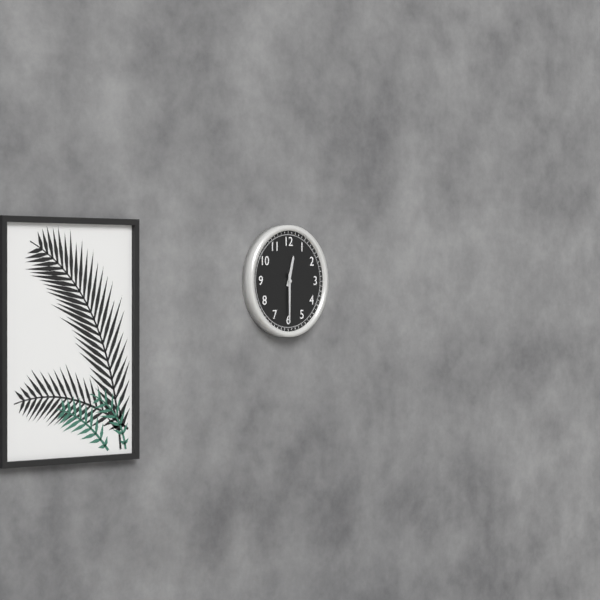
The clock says 12 h 30 min
